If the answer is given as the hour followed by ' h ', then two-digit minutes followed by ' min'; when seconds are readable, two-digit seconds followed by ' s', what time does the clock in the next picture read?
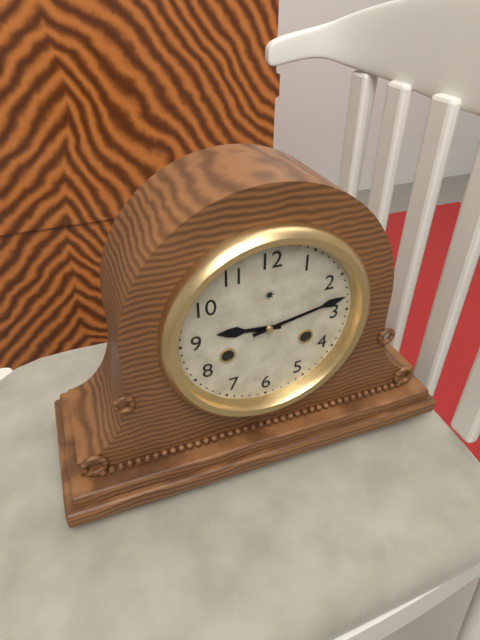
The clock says 9 h 13 min
